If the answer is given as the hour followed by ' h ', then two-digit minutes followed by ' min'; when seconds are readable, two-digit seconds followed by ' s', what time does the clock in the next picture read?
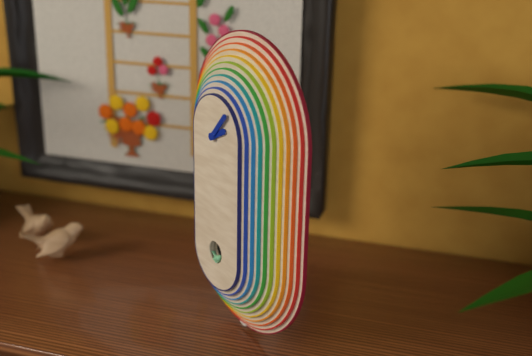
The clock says 2 h 07 min
